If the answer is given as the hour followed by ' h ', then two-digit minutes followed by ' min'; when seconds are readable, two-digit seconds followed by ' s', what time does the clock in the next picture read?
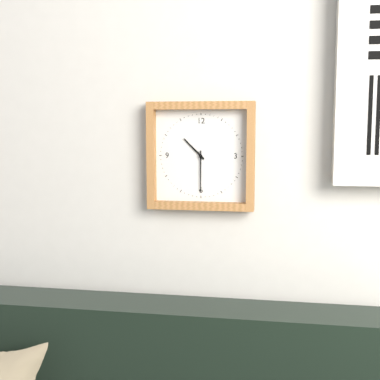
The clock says 10 h 30 min
